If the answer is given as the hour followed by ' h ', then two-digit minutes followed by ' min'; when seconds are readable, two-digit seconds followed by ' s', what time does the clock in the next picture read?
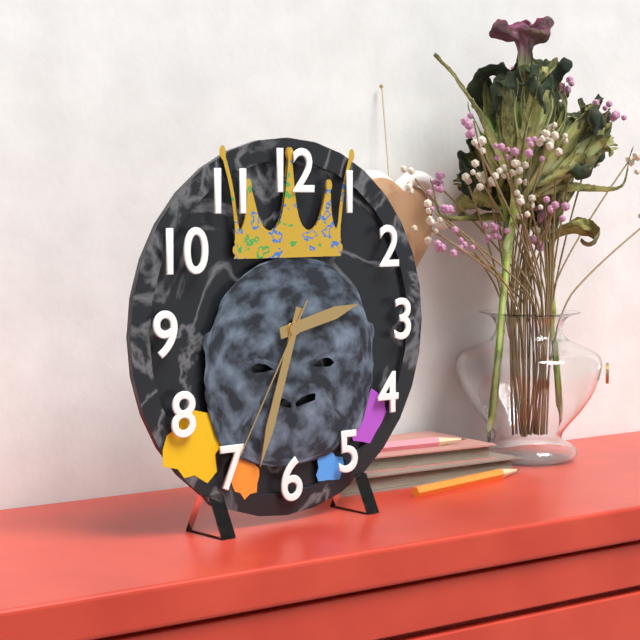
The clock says 2 h 33 min 35 s
